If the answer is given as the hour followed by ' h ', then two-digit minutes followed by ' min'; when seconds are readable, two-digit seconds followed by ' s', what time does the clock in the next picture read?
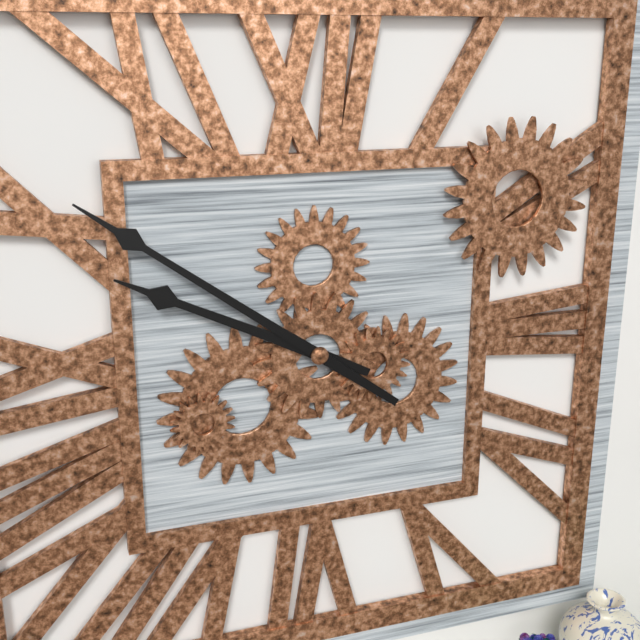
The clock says 9 h 51 min
